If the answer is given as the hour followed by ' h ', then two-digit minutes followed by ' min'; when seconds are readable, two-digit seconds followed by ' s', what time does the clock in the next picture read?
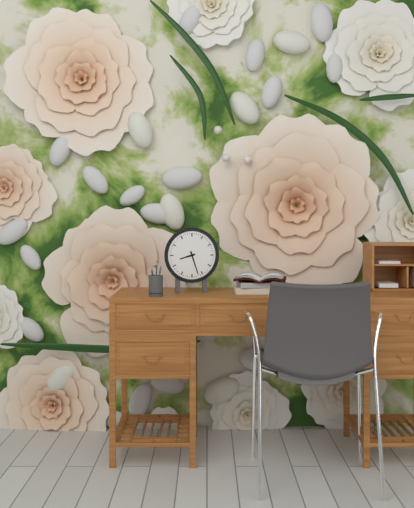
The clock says 8 h 27 min
